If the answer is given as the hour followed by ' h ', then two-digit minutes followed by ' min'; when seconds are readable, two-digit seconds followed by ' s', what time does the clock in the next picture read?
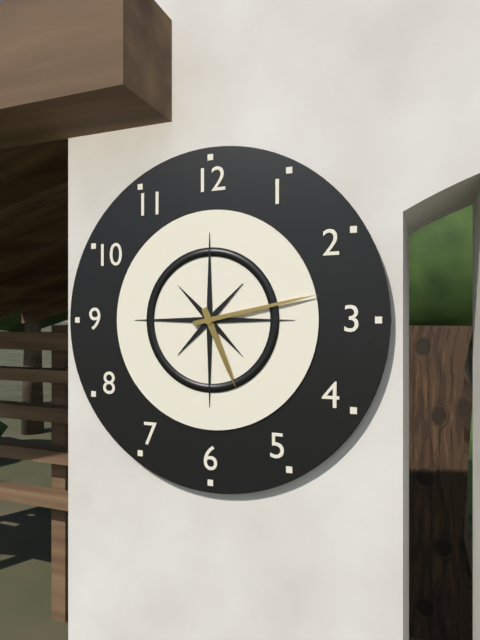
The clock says 5 h 13 min
